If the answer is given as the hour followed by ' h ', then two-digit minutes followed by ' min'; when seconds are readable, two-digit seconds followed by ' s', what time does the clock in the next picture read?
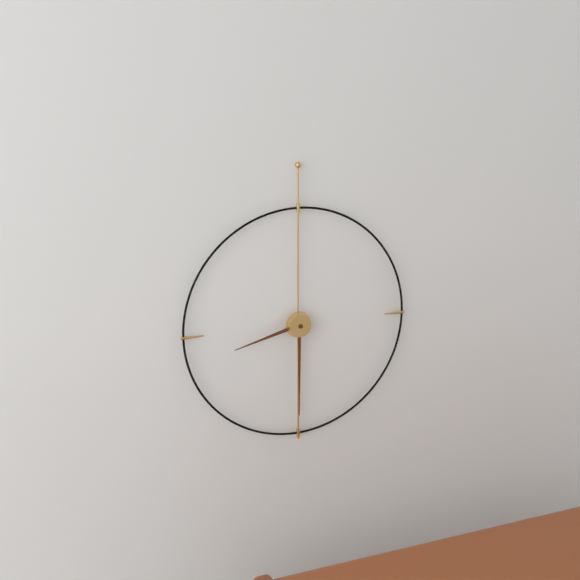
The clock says 8 h 30 min
